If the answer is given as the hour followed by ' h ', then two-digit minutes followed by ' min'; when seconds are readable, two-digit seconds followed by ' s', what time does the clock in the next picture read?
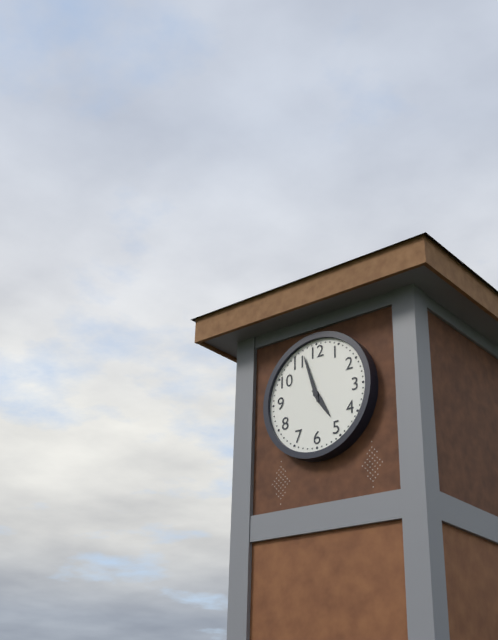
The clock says 4 h 57 min
